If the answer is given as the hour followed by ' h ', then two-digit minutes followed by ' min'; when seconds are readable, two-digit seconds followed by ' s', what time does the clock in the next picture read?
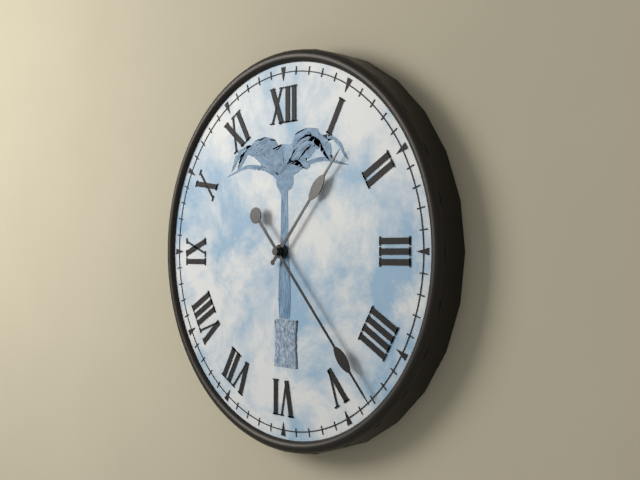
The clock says 1 h 23 min
